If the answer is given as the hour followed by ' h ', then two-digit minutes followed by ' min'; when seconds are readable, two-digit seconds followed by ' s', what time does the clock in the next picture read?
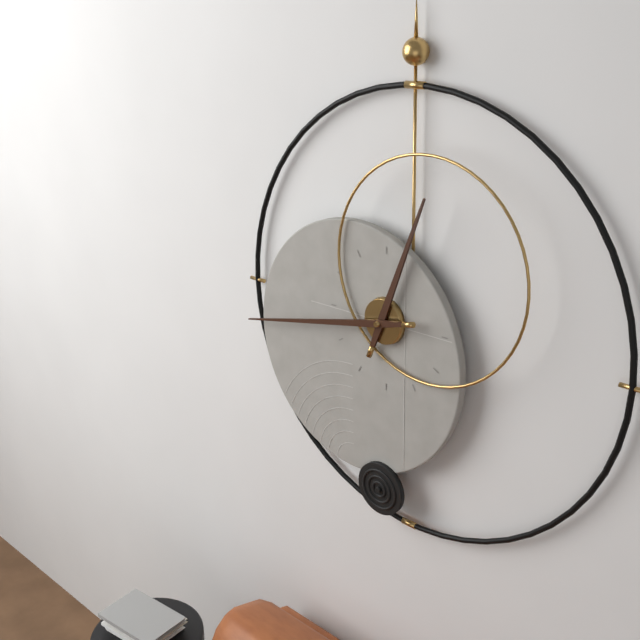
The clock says 12 h 43 min
